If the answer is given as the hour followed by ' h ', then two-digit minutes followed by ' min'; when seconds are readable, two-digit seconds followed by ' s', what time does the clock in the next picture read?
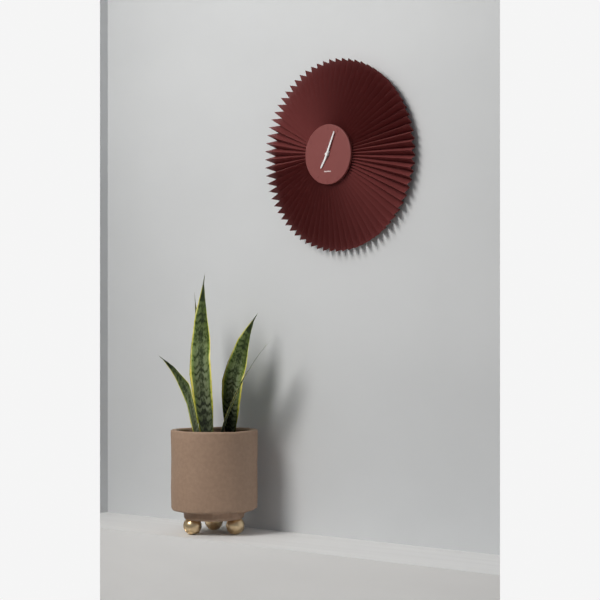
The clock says 7 h 04 min
